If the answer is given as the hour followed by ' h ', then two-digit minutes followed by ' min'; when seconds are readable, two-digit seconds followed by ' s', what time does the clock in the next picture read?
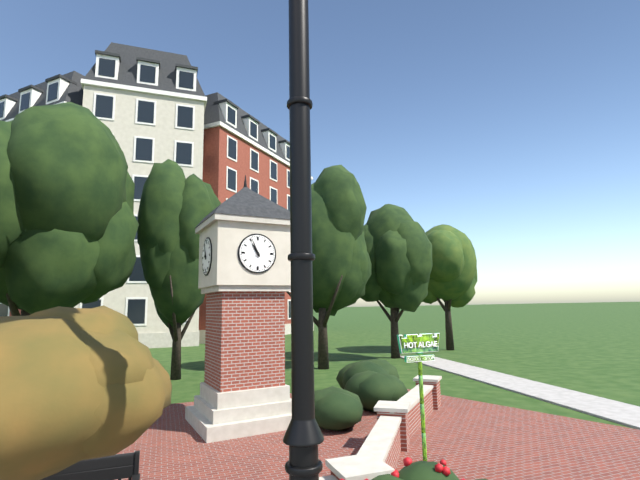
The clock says 10 h 56 min
